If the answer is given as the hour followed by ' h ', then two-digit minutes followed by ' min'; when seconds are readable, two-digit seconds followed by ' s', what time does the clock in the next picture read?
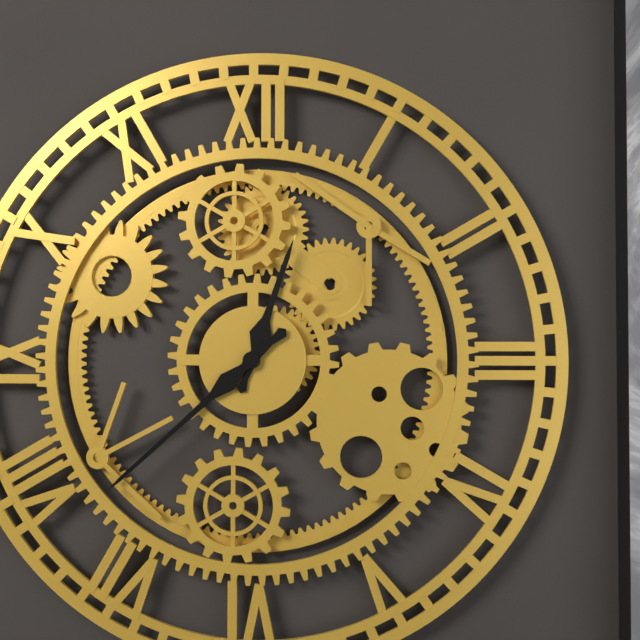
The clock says 12 h 38 min
